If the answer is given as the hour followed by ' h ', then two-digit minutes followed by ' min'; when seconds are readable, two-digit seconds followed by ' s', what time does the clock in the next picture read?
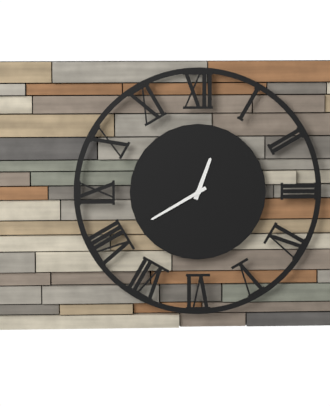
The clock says 12 h 40 min
